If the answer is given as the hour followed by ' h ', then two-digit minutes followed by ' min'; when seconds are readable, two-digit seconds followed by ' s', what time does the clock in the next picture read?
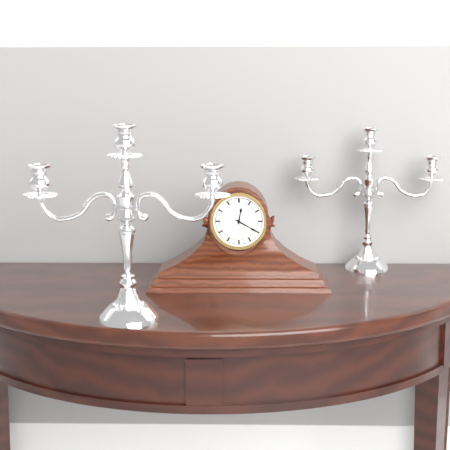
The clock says 12 h 20 min
